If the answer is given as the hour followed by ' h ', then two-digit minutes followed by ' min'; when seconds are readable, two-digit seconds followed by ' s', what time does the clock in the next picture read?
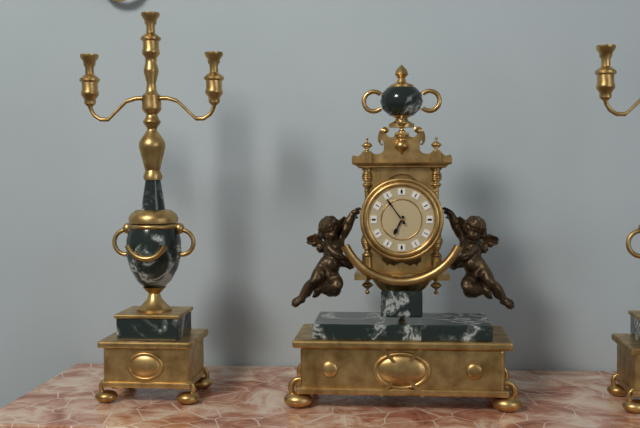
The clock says 6 h 54 min
